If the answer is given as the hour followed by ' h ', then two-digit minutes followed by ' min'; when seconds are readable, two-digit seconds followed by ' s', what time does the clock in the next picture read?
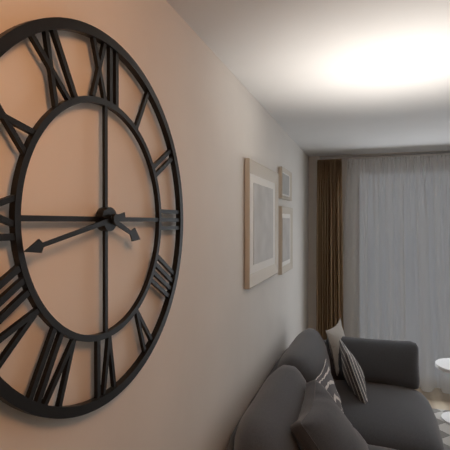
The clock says 3 h 43 min
